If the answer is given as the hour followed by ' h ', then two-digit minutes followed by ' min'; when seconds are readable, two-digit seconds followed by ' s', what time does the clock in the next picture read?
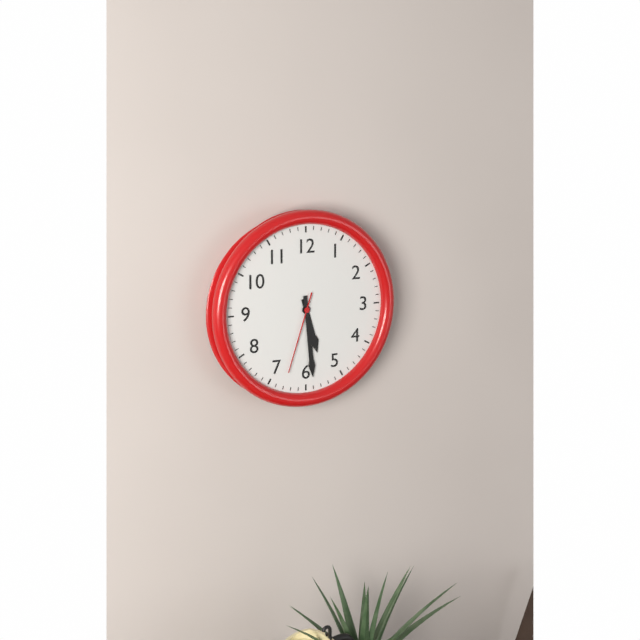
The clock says 5 h 29 min 33 s
